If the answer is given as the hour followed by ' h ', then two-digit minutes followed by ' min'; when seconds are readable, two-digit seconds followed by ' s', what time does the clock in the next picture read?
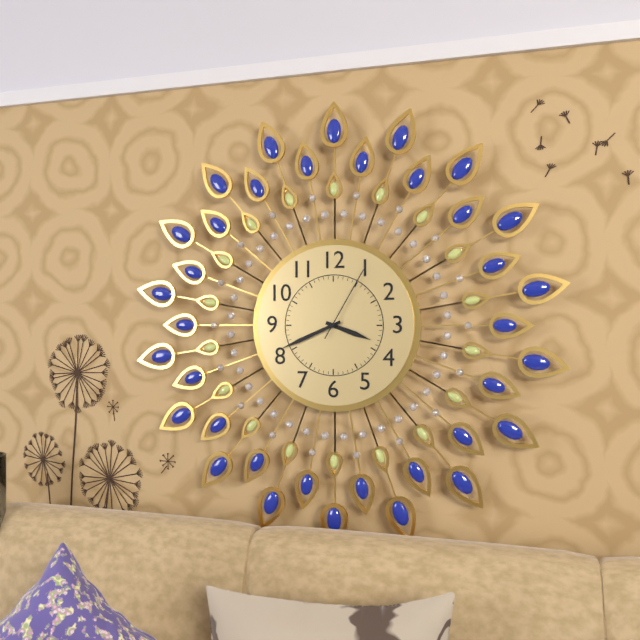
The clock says 3 h 41 min 05 s
